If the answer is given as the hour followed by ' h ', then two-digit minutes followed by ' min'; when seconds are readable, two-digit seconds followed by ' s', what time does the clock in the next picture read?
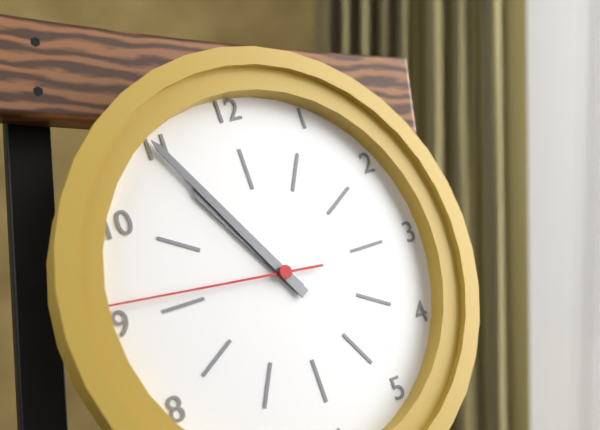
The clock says 10 h 55 min 46 s
